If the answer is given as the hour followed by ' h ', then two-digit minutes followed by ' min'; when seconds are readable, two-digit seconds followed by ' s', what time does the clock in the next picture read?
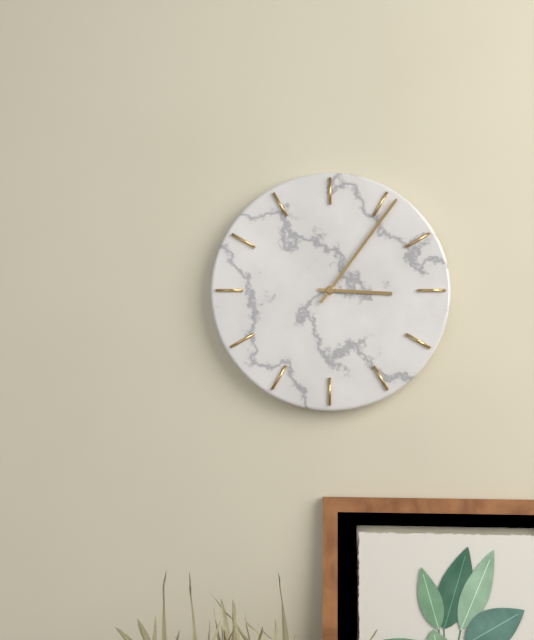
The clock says 3 h 06 min
